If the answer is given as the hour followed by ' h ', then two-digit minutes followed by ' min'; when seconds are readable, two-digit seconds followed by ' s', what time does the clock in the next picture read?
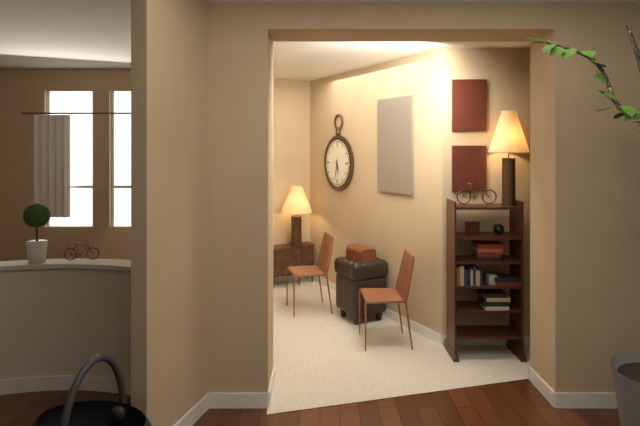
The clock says 5 h 32 min
